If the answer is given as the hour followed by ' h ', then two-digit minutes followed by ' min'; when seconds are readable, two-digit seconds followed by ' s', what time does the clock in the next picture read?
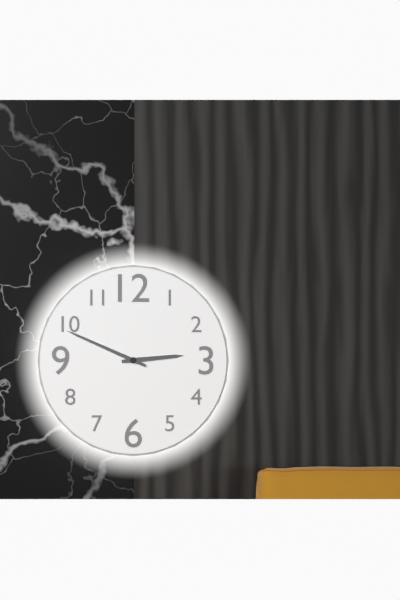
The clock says 2 h 49 min
